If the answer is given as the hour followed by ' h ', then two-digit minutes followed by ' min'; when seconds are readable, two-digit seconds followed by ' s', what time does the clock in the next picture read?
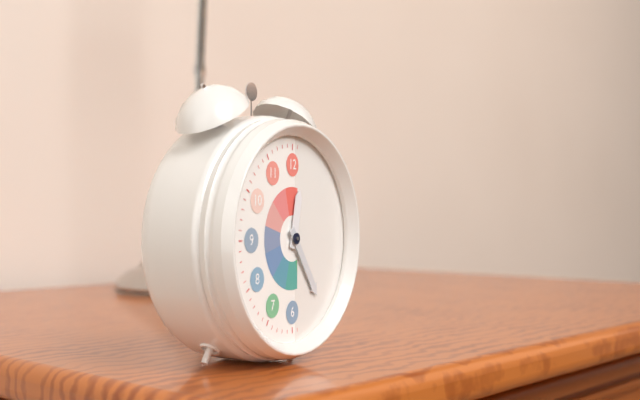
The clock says 12 h 24 min
